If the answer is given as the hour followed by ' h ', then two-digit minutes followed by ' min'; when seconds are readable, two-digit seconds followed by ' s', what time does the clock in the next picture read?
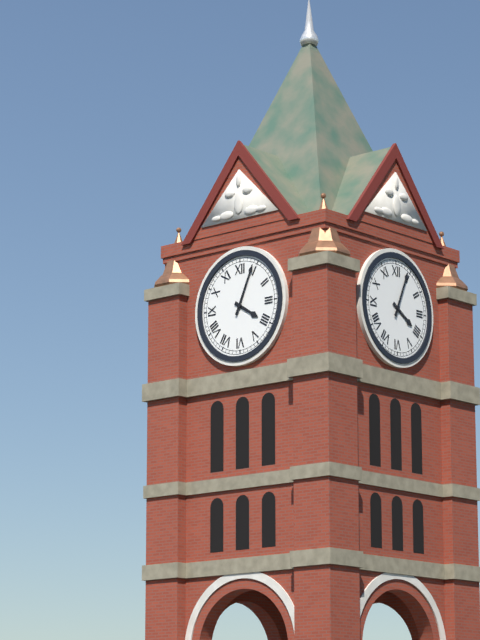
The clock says 4 h 04 min
